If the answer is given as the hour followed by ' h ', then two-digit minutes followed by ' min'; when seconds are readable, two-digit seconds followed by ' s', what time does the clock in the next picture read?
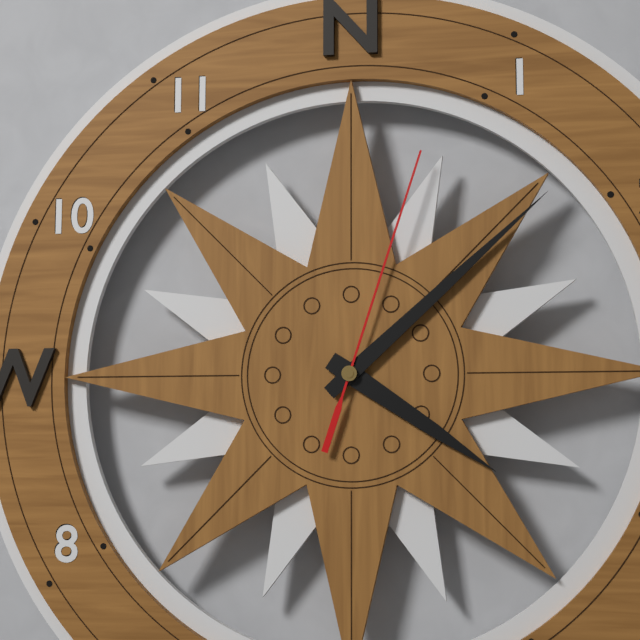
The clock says 4 h 08 min 03 s
